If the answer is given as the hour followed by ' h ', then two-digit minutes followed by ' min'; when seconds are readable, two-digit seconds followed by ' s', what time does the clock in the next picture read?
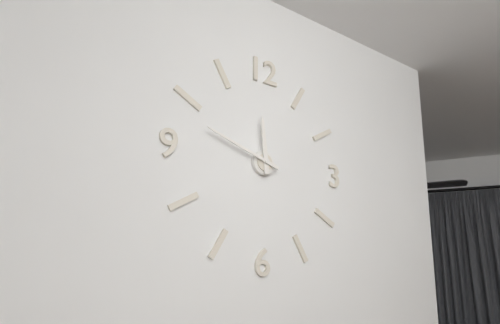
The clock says 11 h 48 min
